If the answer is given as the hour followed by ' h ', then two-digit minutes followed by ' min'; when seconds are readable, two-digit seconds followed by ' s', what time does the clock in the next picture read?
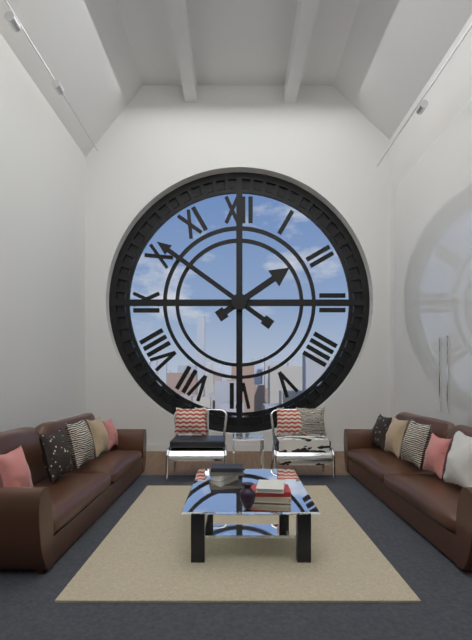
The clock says 1 h 51 min
